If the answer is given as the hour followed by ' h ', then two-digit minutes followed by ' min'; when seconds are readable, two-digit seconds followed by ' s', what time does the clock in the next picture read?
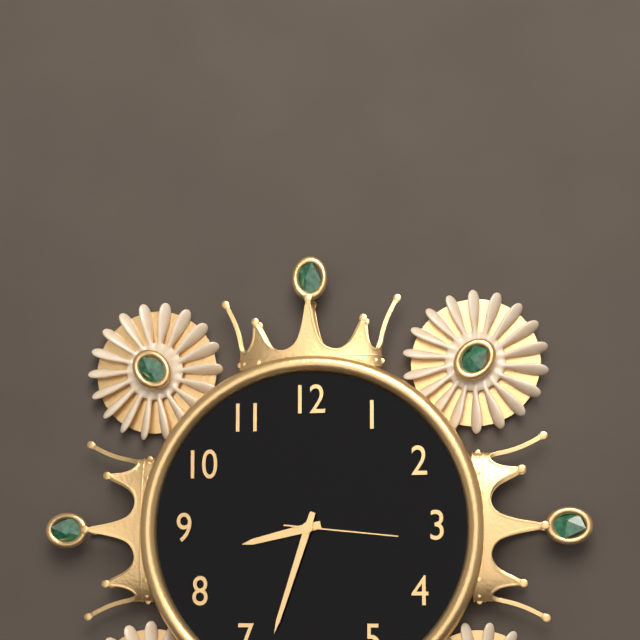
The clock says 8 h 33 min 16 s
